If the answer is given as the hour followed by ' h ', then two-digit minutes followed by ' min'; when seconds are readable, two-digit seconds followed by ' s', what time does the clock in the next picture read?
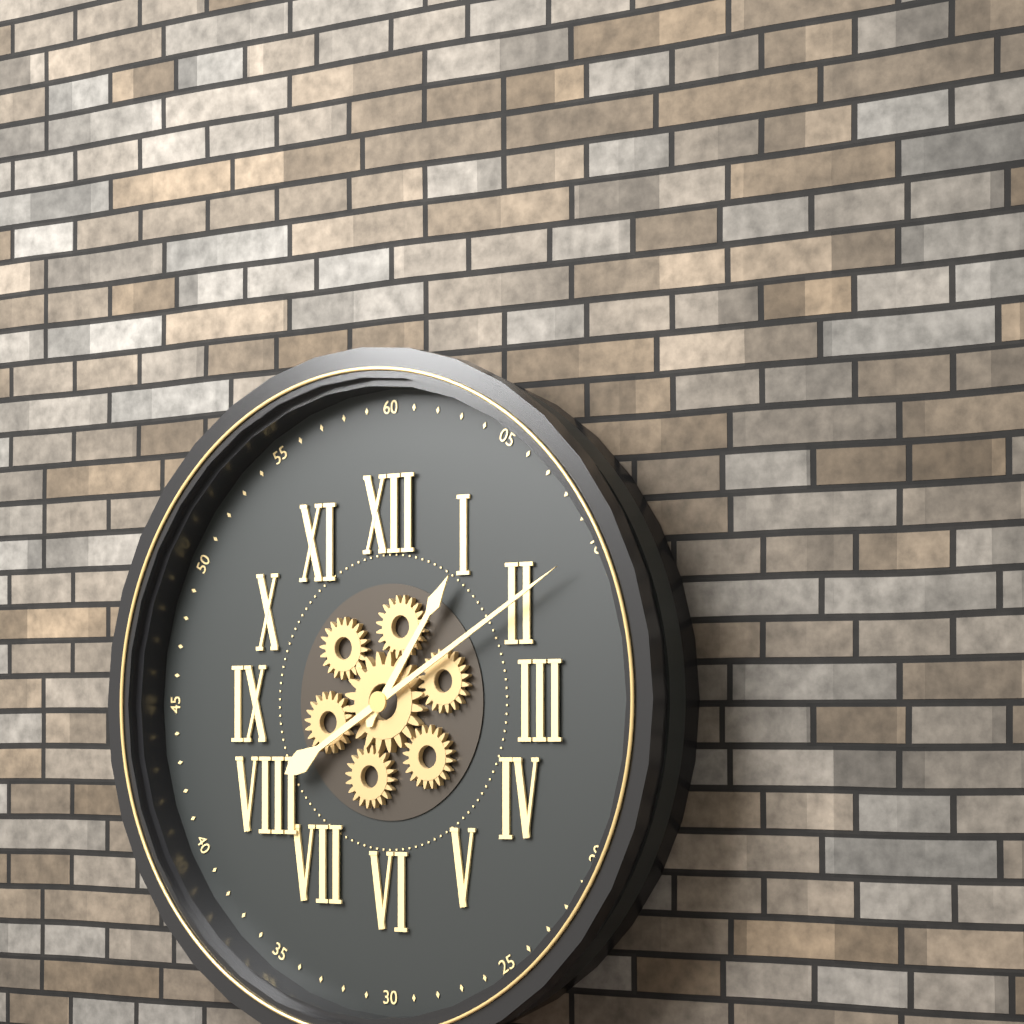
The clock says 1 h 10 min
